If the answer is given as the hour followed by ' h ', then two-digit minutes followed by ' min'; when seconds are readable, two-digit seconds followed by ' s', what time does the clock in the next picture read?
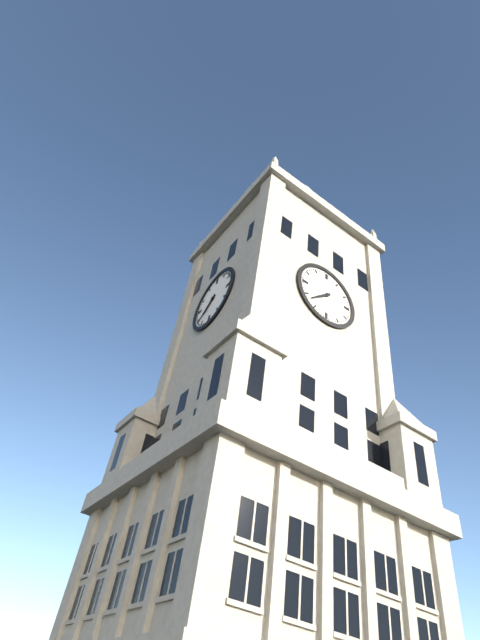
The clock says 7 h 38 min
